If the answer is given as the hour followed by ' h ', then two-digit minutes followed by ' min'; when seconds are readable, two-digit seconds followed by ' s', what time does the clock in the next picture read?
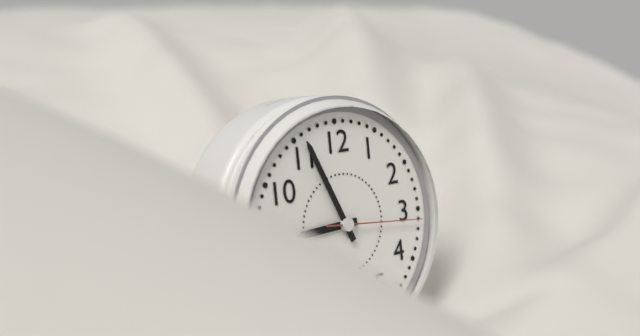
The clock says 8 h 56 min 16 s
